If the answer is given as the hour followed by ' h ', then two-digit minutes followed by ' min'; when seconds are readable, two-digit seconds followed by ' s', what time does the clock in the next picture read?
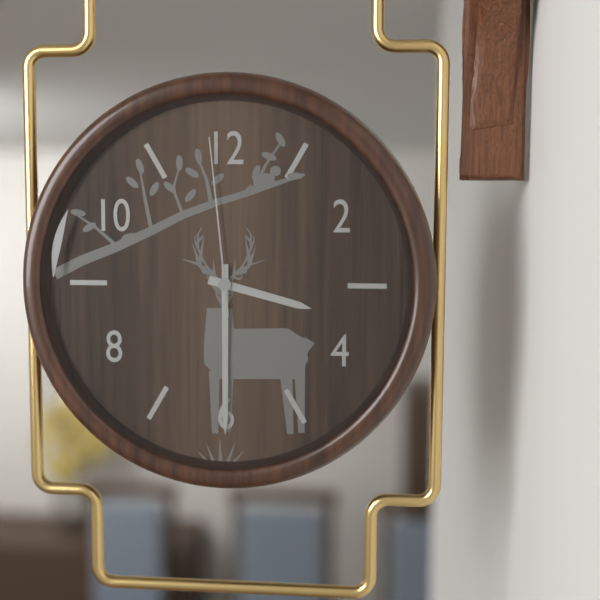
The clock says 3 h 30 min 59 s
